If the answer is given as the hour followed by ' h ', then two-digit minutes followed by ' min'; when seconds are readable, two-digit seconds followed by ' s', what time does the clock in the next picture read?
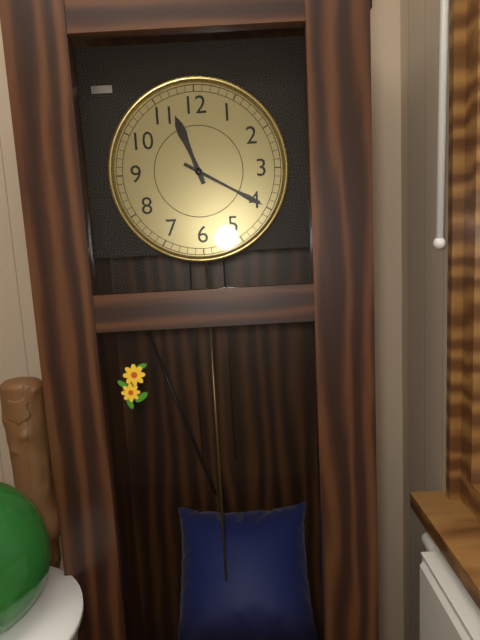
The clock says 11 h 20 min
